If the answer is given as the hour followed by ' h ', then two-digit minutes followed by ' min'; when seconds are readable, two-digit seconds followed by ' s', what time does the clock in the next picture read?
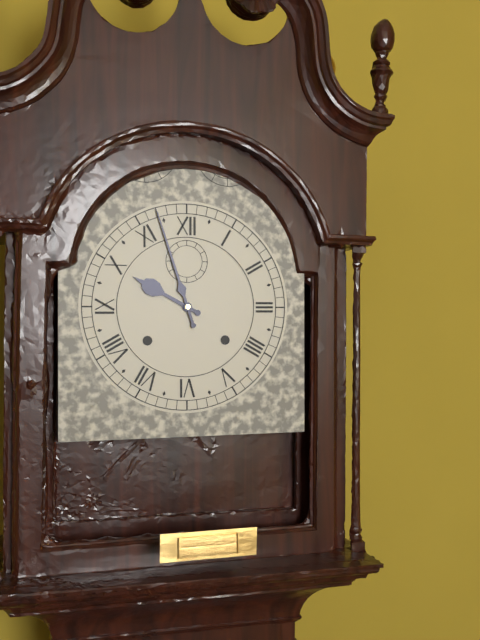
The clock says 9 h 57 min
